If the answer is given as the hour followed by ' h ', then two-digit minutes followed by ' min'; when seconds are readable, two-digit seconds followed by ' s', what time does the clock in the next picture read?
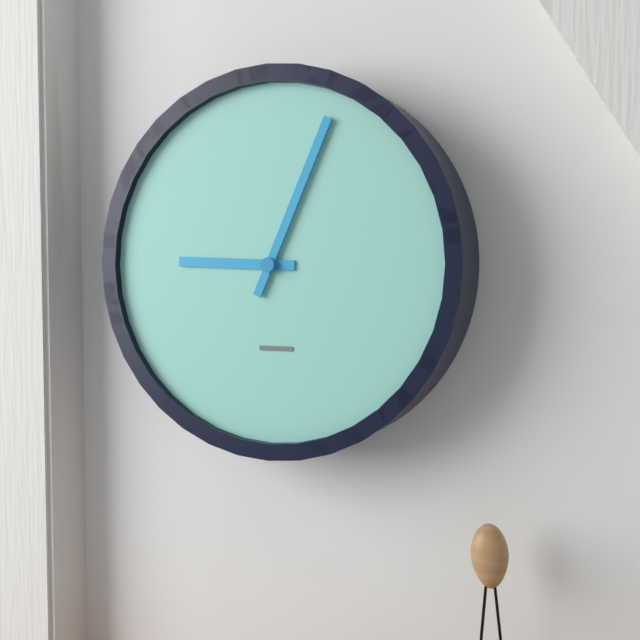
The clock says 9 h 04 min
